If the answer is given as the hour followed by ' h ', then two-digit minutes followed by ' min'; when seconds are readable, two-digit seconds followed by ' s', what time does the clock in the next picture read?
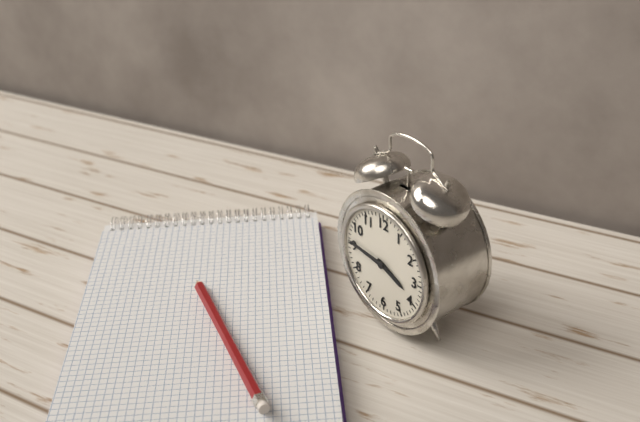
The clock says 3 h 46 min
